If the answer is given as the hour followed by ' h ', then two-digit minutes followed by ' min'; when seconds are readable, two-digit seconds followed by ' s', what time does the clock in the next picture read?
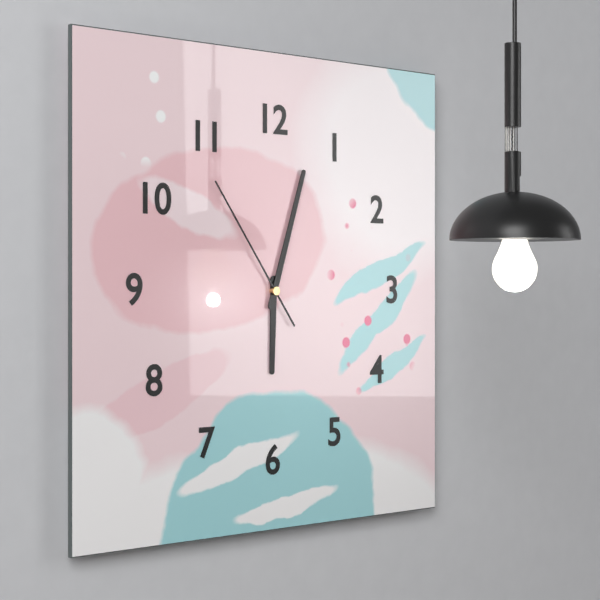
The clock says 6 h 03 min 54 s
